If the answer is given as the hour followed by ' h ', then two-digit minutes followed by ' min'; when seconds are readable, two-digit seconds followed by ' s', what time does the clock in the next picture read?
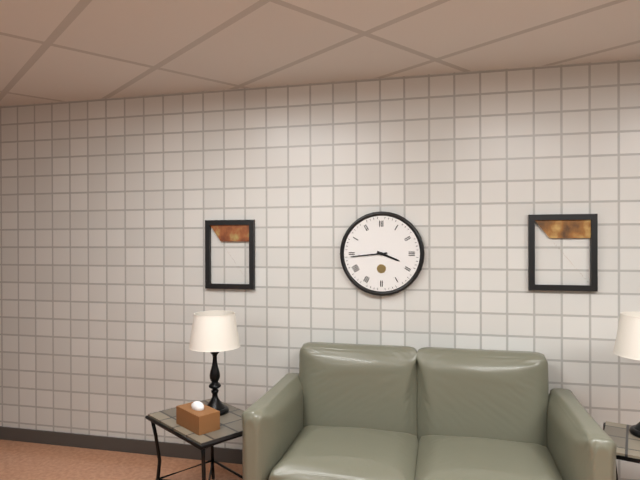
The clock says 3 h 44 min
